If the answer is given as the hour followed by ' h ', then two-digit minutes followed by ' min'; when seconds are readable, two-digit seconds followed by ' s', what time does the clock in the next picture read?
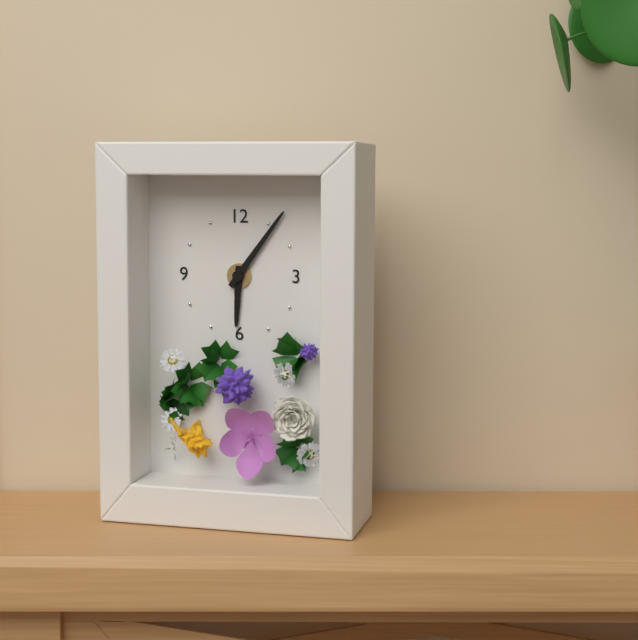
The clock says 6 h 06 min
